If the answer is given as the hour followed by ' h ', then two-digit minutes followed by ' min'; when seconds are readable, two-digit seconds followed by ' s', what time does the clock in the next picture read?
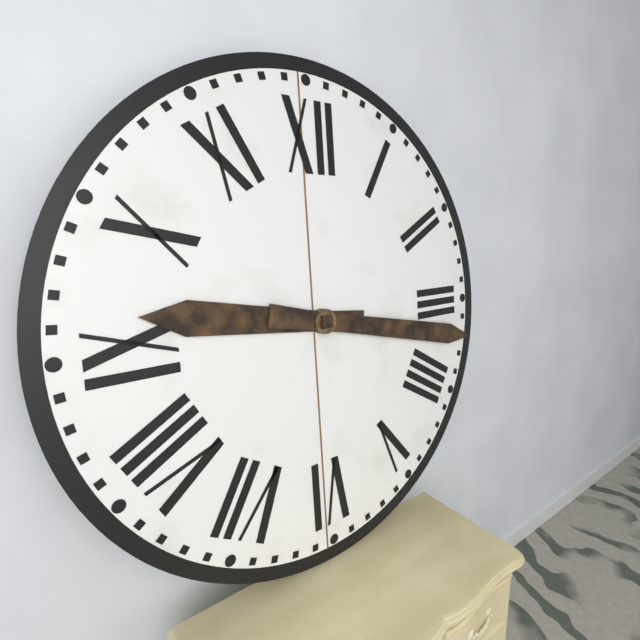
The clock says 9 h 17 min
